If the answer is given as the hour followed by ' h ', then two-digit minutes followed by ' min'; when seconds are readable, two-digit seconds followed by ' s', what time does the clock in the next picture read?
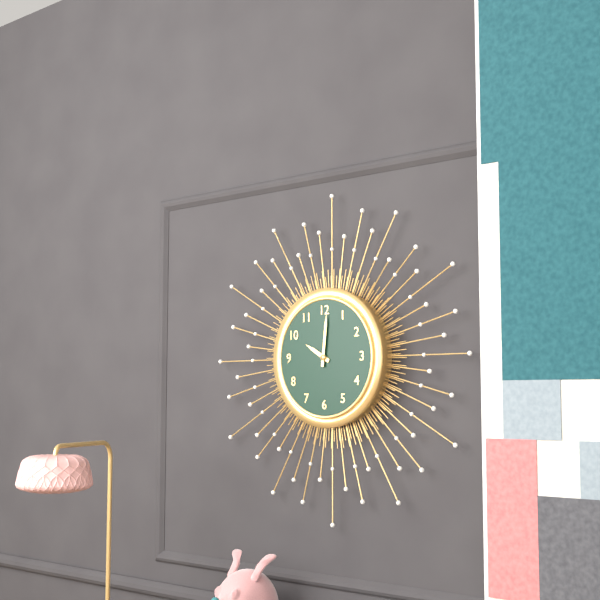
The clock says 10 h 01 min
